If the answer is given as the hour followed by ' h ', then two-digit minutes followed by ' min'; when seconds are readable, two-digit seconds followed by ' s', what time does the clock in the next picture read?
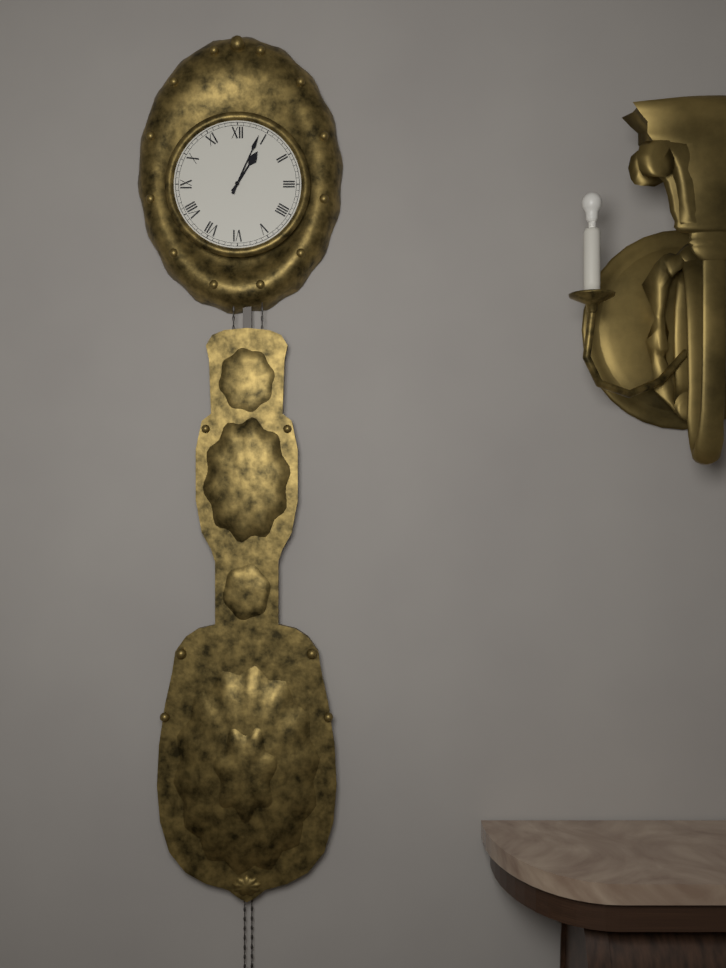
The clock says 1 h 04 min
